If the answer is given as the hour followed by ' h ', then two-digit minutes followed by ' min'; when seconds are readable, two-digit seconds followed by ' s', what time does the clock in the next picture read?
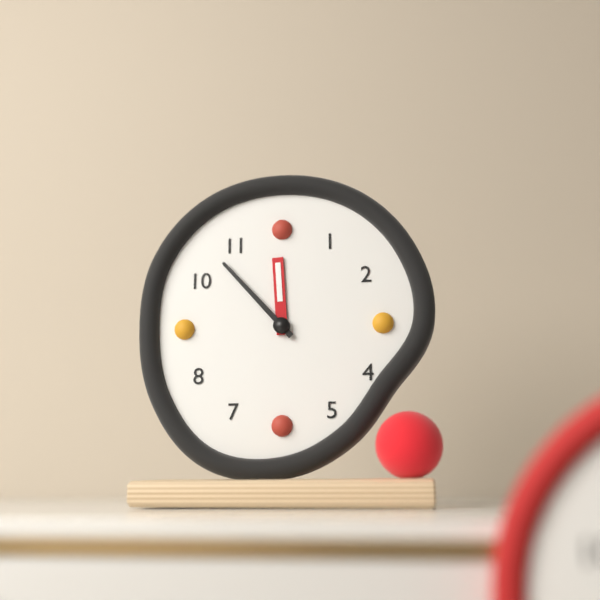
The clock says 11 h 53 min
